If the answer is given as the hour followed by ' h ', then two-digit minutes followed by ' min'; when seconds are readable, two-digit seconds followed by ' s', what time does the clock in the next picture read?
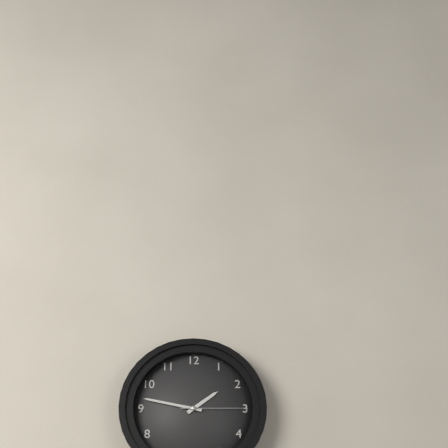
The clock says 1 h 47 min 15 s
